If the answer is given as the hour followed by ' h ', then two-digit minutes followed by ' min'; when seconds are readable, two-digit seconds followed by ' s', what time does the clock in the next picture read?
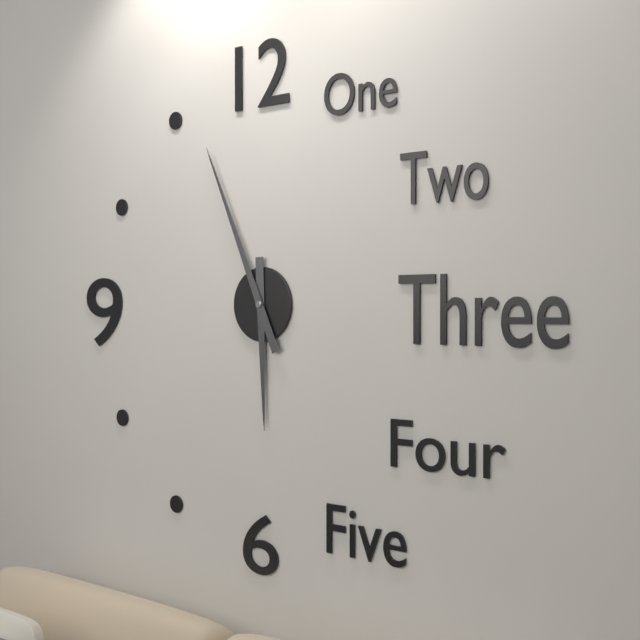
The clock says 5 h 56 min
